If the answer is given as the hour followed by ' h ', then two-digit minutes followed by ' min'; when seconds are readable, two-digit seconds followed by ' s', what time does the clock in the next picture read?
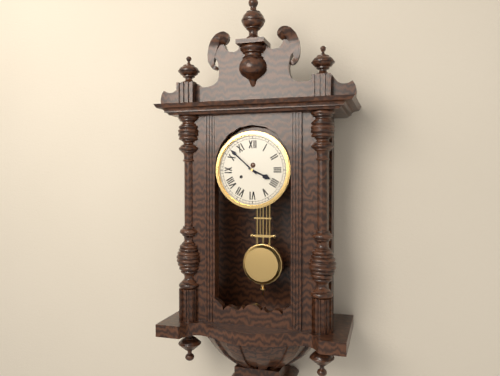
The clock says 3 h 52 min
